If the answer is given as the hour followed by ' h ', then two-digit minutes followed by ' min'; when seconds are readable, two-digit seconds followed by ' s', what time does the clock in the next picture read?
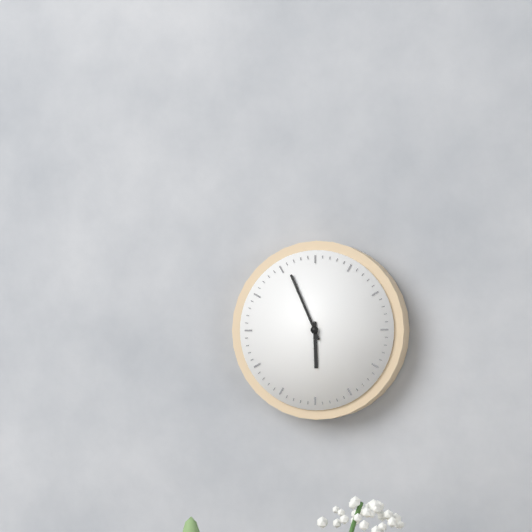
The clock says 5 h 56 min
